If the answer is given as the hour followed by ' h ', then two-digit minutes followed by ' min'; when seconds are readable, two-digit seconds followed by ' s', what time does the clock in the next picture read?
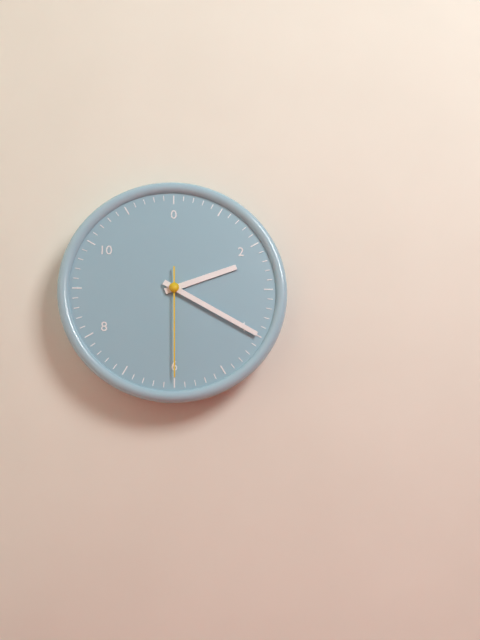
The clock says 2 h 20 min 30 s
